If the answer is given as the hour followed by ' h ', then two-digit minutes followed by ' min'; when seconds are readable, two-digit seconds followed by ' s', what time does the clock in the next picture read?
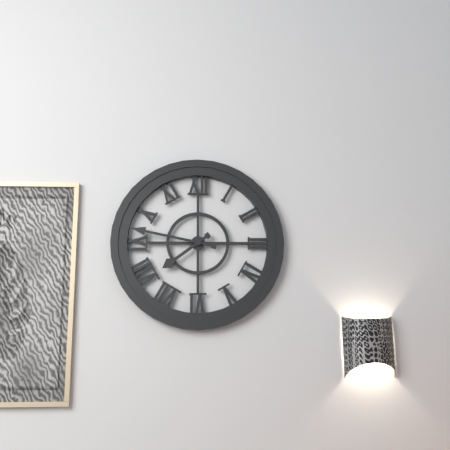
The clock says 7 h 47 min
